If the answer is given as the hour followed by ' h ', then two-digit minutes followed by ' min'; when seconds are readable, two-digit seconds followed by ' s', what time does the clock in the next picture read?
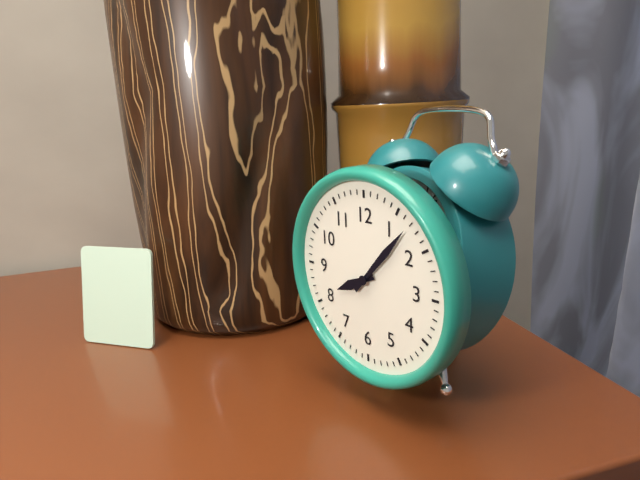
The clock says 8 h 07 min
